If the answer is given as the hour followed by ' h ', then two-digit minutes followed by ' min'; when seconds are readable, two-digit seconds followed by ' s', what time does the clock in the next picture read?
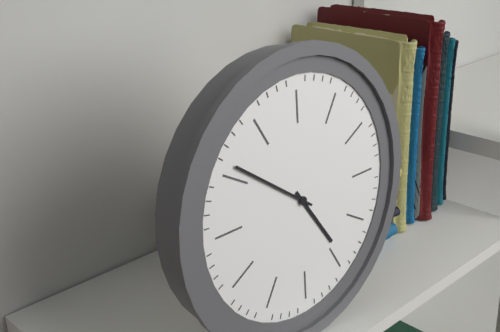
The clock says 4 h 51 min
